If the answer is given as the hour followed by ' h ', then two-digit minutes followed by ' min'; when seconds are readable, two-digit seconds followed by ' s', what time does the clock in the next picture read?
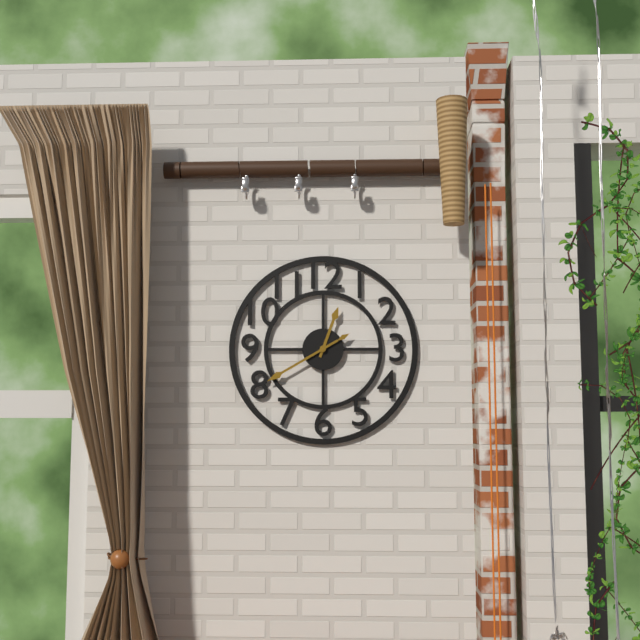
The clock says 12 h 40 min
